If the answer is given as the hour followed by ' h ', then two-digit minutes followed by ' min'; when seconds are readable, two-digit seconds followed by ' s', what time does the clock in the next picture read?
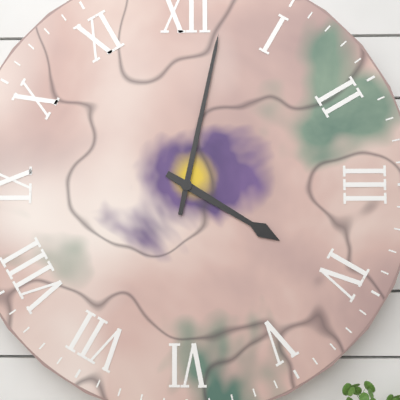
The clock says 4 h 02 min
